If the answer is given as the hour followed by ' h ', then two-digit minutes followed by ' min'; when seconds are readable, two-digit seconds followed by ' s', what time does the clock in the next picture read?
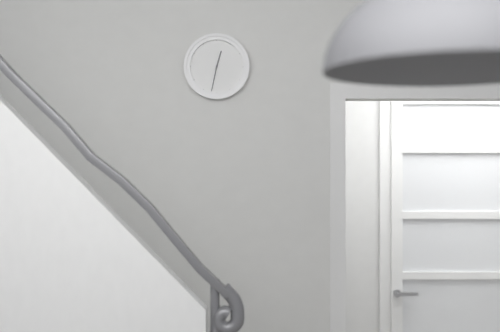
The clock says 12 h 32 min
